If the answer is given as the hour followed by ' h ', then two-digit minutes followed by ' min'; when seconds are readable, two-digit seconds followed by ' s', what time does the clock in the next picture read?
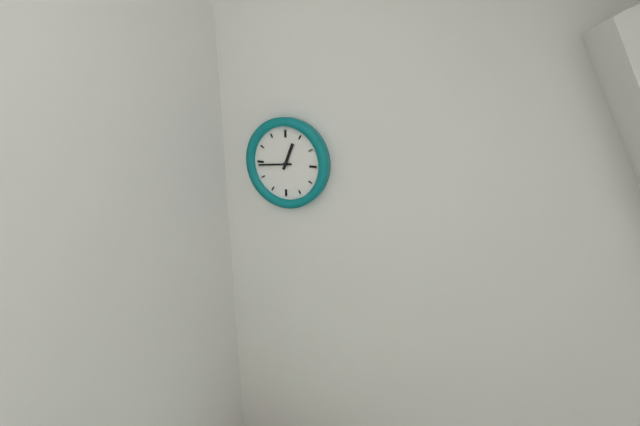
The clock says 12 h 44 min
